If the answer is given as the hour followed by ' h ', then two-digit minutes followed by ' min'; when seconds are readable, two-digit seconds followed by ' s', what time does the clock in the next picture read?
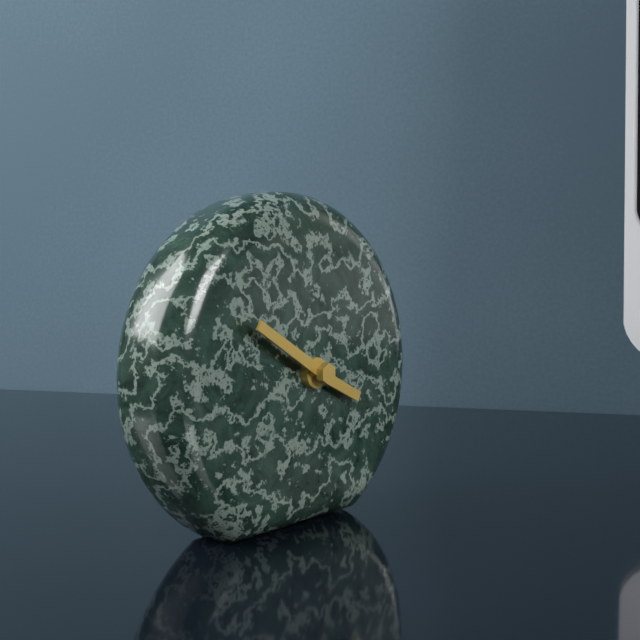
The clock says 3 h 50 min
